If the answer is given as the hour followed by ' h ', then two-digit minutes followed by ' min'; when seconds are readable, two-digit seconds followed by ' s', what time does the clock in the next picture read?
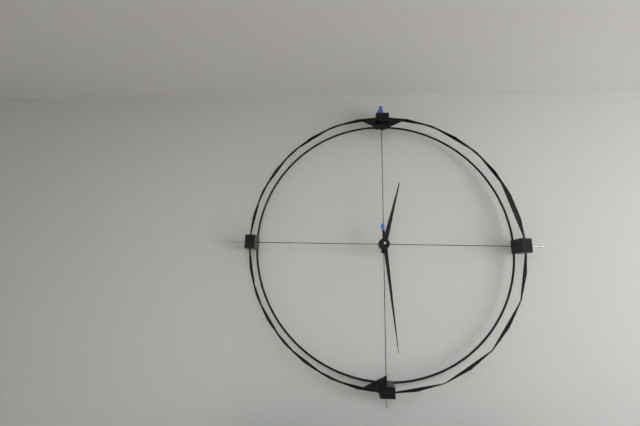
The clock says 12 h 29 min
